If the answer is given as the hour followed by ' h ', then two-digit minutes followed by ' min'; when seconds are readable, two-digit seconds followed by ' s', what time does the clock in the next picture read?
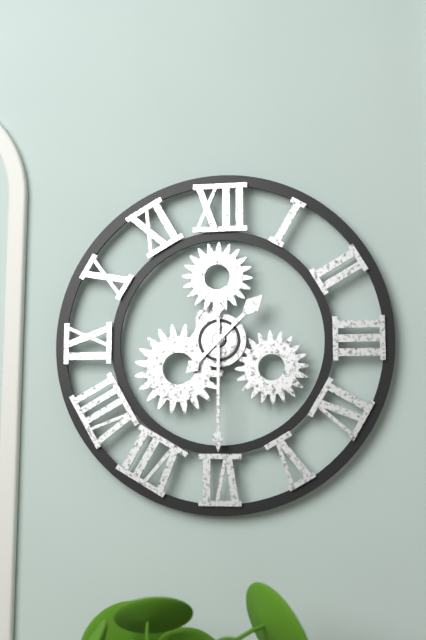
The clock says 1 h 30 min
